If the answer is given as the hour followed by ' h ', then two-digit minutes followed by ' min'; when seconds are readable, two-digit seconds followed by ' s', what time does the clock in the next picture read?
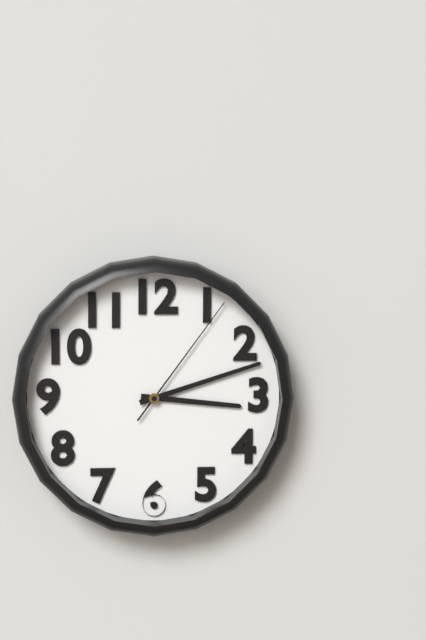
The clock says 3 h 12 min 06 s
